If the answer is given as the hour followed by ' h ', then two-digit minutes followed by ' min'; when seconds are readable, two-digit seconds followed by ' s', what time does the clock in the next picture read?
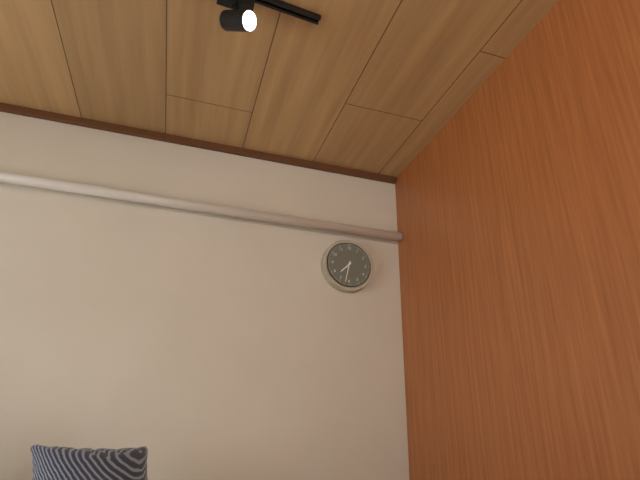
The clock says 7 h 32 min
